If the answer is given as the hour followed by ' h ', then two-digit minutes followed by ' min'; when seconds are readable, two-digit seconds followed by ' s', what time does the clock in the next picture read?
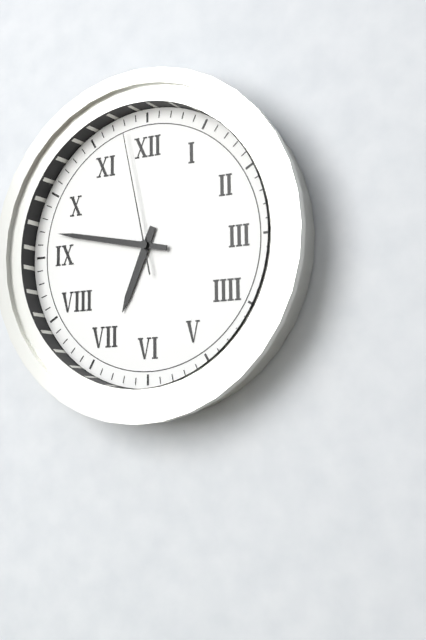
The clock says 6 h 47 min 58 s
